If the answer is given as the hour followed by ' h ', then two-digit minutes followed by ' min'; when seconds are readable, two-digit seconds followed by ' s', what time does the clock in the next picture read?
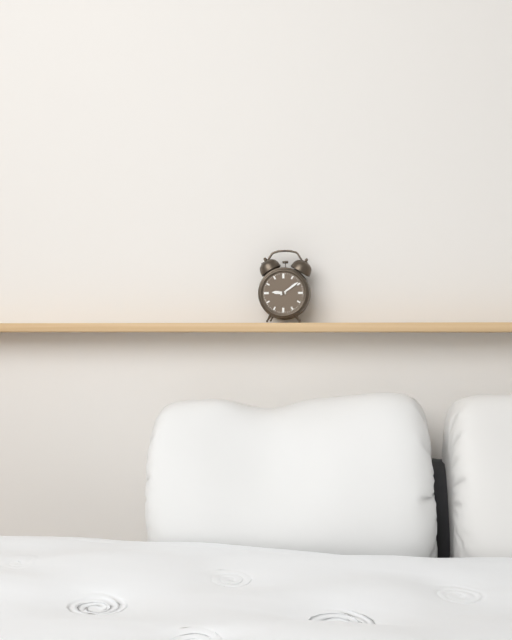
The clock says 9 h 09 min
